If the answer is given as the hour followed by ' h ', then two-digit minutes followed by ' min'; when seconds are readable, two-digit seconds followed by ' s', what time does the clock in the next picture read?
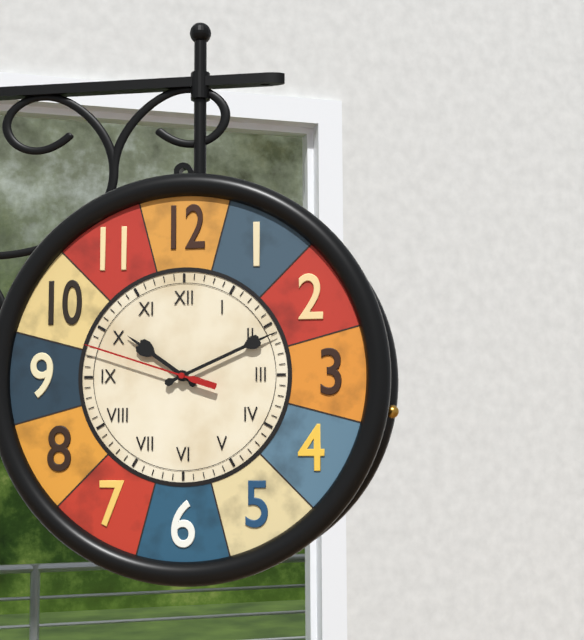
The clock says 10 h 11 min 48 s
